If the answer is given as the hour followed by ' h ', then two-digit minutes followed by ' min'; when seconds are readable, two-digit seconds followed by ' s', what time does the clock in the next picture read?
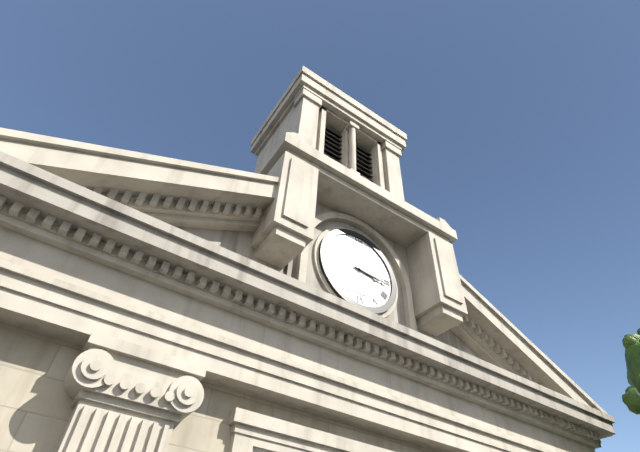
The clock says 3 h 16 min
